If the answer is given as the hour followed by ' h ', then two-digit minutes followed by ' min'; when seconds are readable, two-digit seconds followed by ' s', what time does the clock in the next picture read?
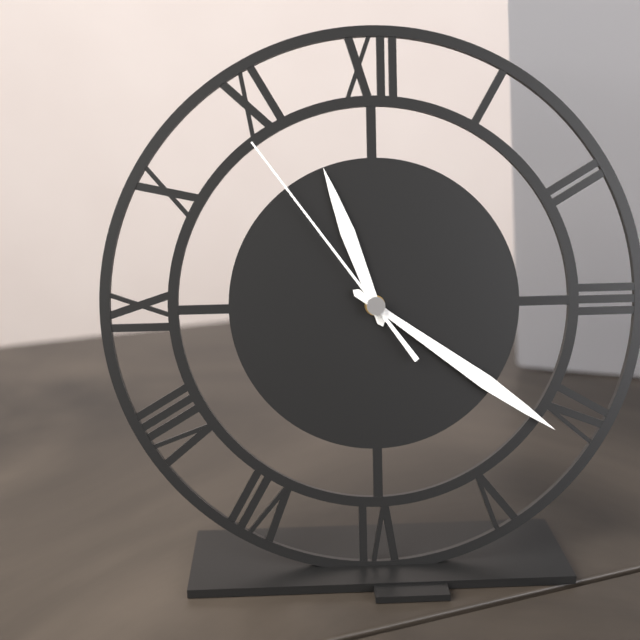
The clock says 11 h 21 min 54 s
